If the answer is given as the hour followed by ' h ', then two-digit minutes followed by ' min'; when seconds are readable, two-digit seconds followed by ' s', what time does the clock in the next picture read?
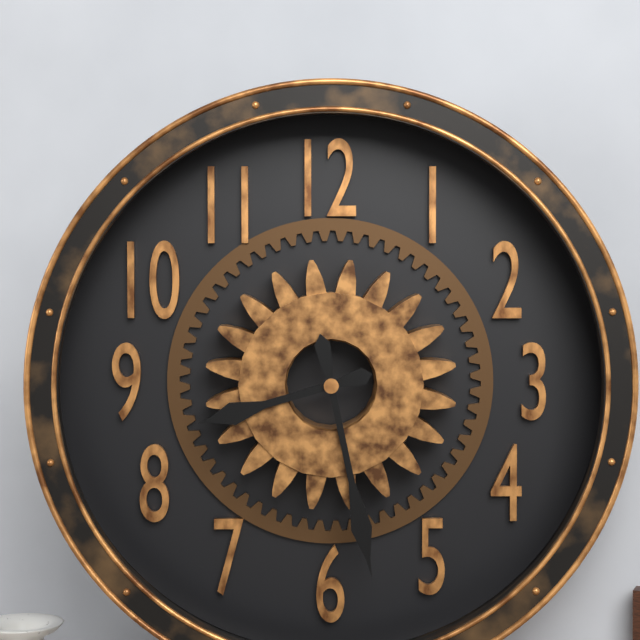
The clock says 8 h 28 min
